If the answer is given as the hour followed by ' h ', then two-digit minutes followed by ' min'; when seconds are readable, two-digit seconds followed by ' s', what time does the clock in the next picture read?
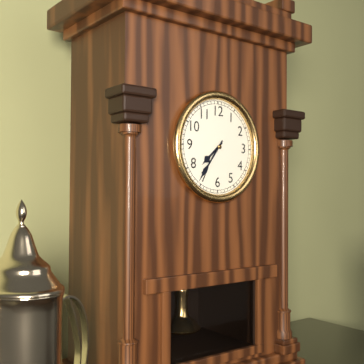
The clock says 7 h 36 min
